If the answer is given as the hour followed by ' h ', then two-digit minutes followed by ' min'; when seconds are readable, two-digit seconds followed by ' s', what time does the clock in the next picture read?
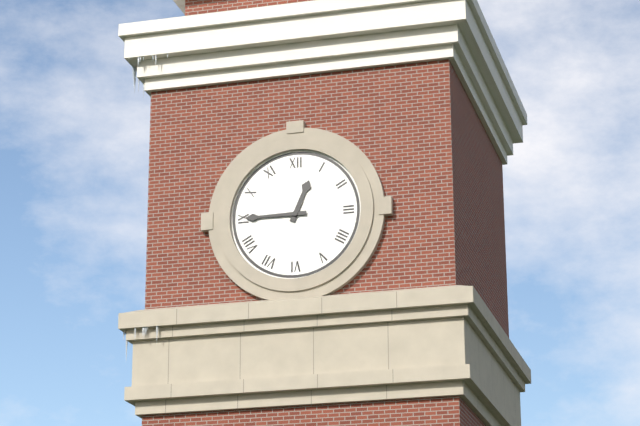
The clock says 12 h 45 min
